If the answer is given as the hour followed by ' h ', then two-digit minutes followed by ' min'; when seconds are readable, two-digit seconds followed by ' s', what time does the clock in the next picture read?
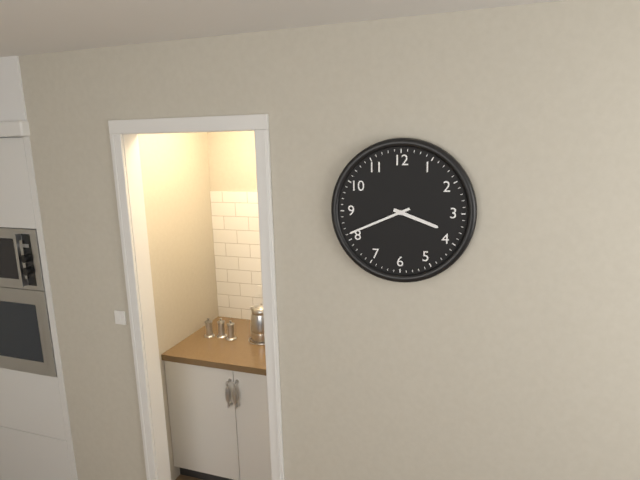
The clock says 3 h 41 min
